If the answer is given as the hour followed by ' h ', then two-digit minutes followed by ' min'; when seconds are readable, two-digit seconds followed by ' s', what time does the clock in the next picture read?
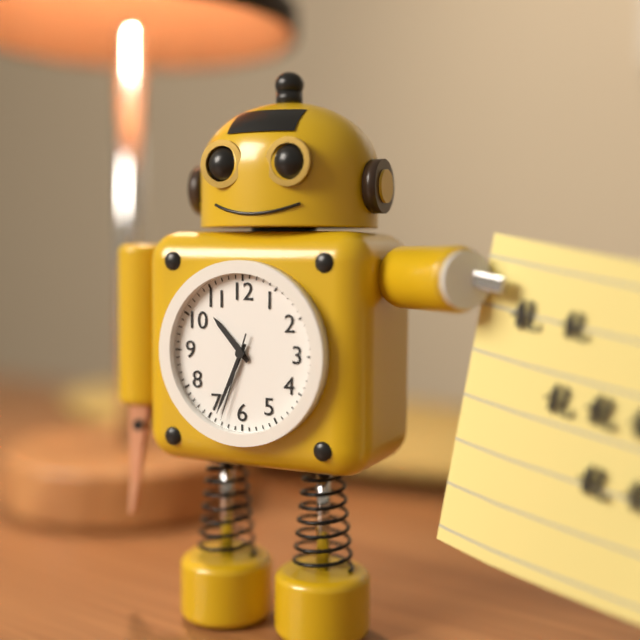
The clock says 10 h 34 min 33 s
